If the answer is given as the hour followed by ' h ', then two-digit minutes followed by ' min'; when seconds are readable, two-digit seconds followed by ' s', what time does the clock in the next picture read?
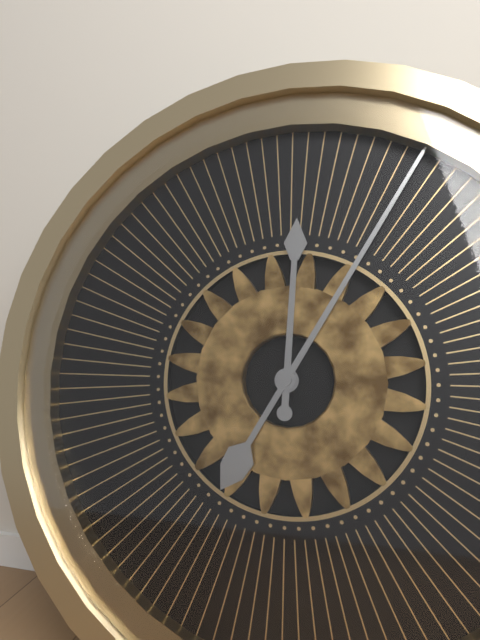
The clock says 12 h 05 min
